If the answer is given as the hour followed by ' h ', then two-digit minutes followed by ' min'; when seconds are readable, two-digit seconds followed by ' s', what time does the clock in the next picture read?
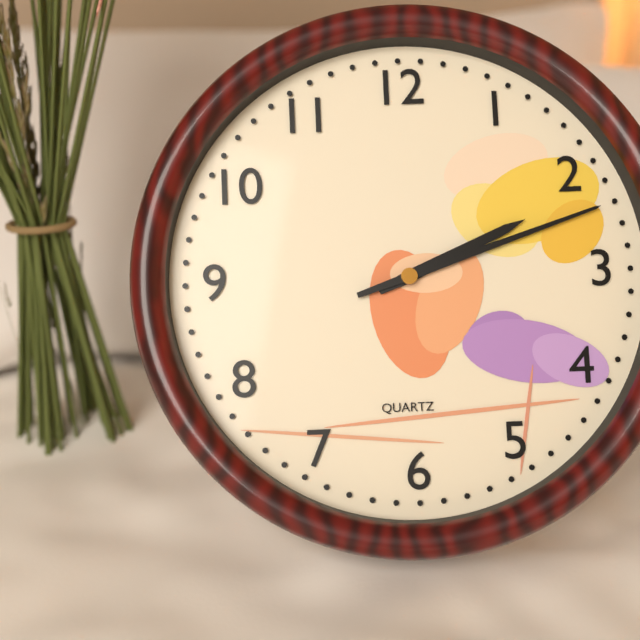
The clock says 2 h 12 min
